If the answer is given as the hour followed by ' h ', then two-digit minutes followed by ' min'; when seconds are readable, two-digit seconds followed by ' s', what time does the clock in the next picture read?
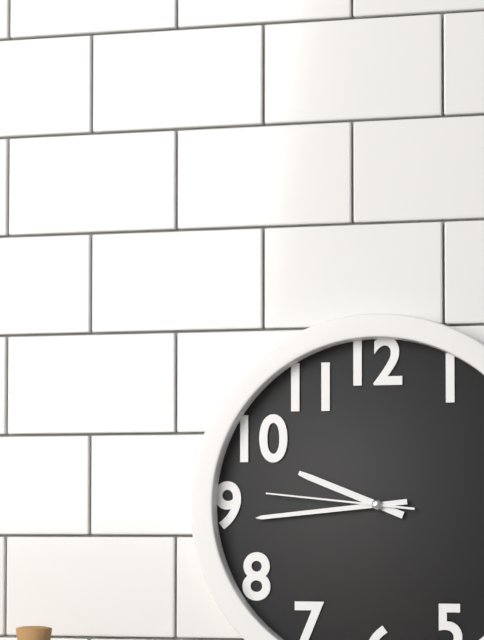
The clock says 9 h 44 min 46 s
